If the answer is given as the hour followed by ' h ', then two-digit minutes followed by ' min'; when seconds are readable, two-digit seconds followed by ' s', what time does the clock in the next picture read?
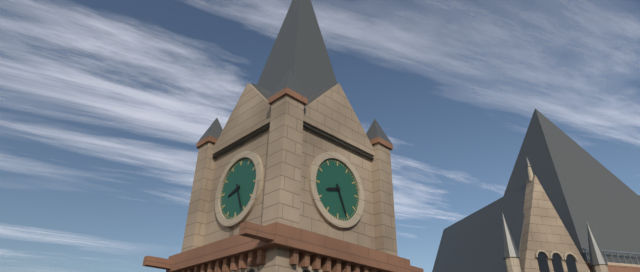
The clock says 8 h 26 min
